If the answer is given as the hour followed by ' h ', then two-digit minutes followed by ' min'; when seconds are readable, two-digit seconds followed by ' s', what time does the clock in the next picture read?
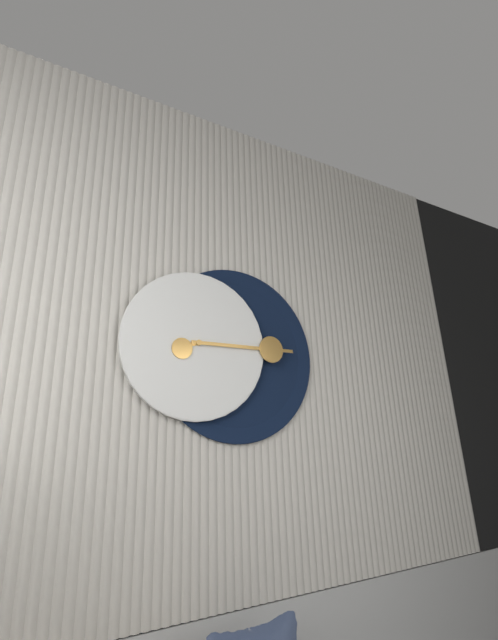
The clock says 8 h 15 min
